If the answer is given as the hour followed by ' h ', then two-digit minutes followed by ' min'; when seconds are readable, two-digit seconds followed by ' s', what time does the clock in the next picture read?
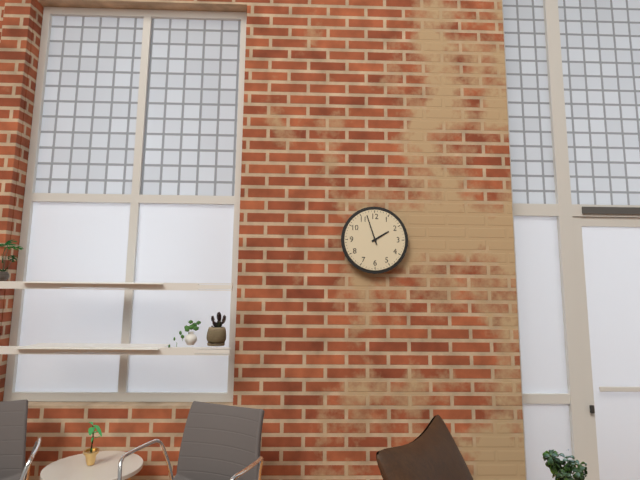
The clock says 1 h 57 min
